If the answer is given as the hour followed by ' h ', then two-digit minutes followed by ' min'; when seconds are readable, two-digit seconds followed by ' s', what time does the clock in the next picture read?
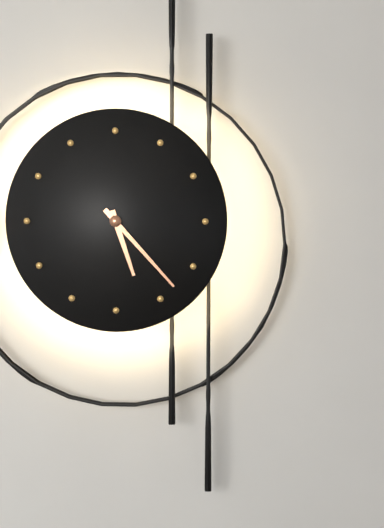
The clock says 5 h 23 min
